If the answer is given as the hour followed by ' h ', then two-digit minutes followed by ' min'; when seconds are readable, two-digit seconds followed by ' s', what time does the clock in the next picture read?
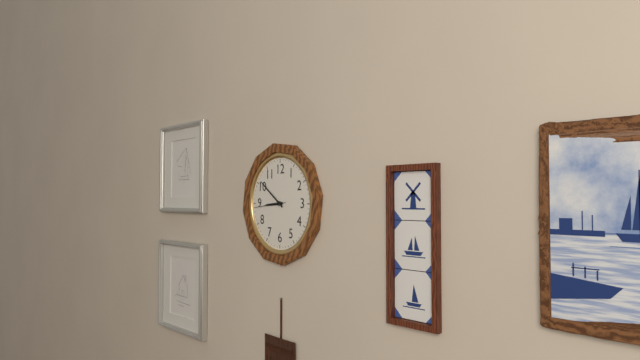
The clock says 8 h 51 min
